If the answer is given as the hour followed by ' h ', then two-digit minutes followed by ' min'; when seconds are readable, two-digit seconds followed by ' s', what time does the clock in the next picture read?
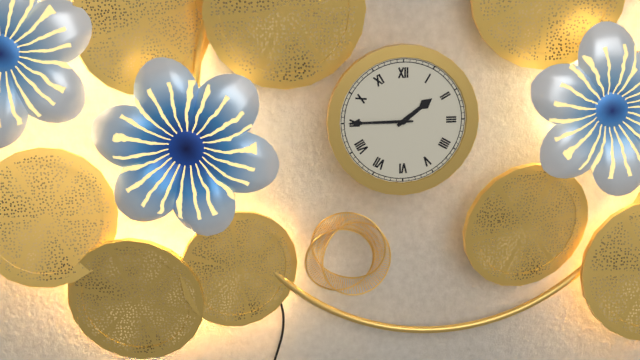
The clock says 1 h 45 min
